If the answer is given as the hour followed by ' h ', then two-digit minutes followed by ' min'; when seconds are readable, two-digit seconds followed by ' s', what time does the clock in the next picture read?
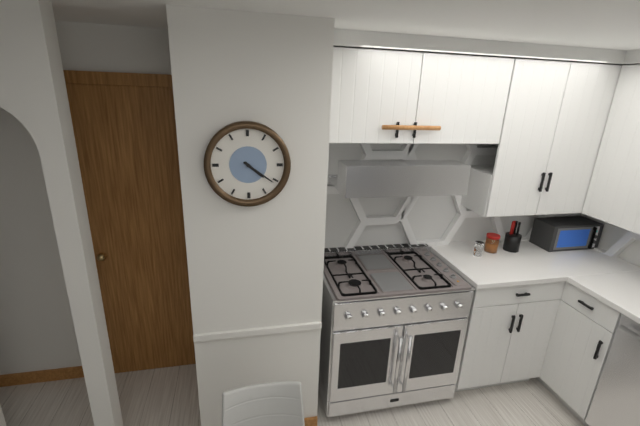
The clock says 4 h 21 min
